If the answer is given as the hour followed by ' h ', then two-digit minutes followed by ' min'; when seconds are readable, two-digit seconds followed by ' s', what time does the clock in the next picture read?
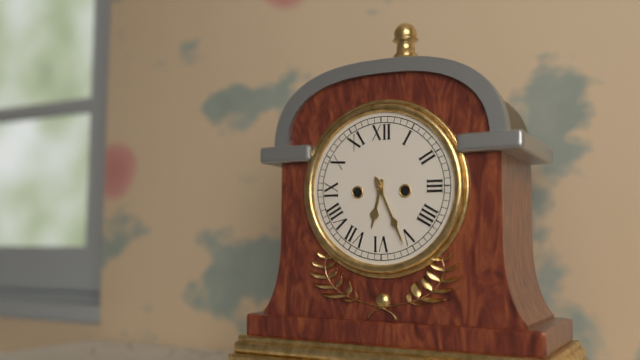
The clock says 6 h 26 min
